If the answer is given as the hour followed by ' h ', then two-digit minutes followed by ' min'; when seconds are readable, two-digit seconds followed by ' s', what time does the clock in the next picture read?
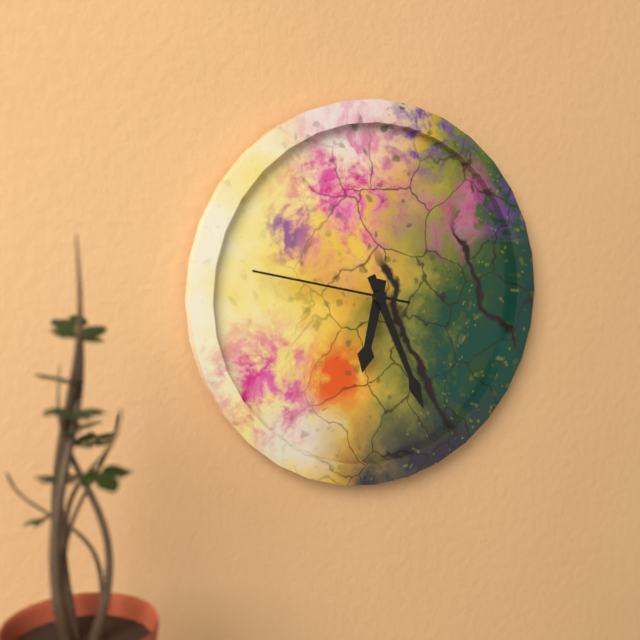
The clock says 6 h 26 min 47 s
